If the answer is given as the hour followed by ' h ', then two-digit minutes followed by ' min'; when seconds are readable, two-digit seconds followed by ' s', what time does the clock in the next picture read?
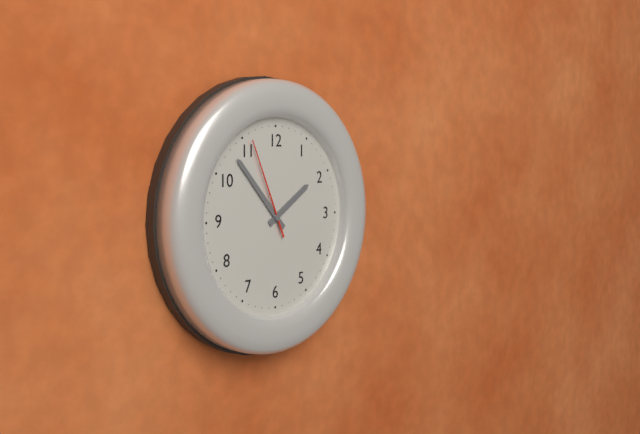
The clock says 1 h 53 min 56 s
